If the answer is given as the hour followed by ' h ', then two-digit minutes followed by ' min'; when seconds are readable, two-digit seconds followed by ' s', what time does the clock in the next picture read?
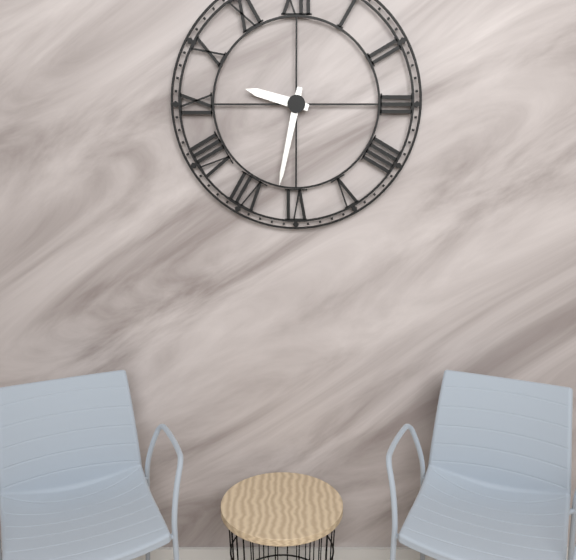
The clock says 9 h 32 min
